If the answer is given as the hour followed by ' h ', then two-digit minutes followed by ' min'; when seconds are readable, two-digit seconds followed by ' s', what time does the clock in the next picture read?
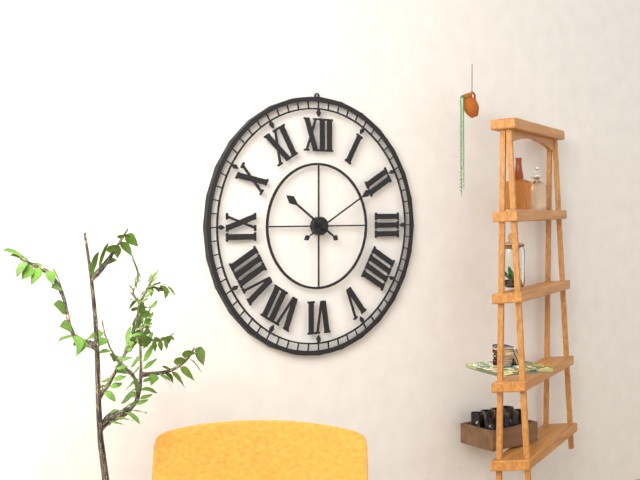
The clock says 10 h 10 min
